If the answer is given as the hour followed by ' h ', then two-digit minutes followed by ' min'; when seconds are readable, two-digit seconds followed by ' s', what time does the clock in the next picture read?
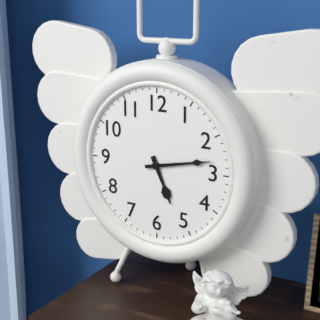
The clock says 5 h 13 min
